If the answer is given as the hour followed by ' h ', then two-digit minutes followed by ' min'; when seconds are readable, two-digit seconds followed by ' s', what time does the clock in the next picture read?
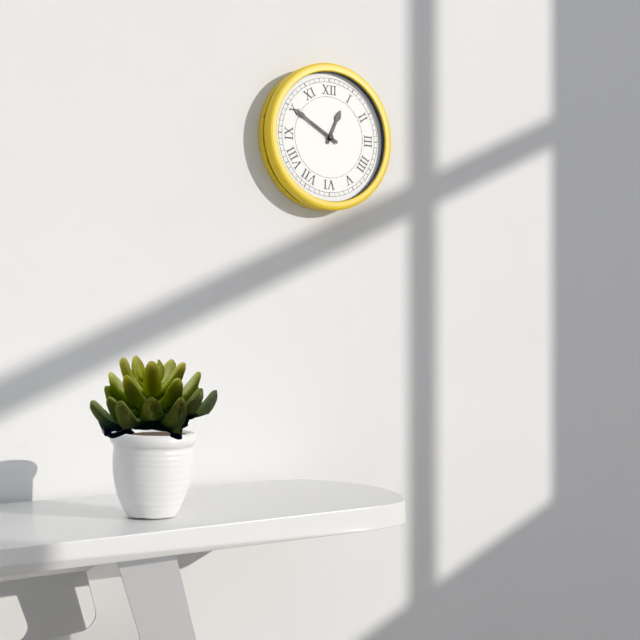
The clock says 12 h 50 min
